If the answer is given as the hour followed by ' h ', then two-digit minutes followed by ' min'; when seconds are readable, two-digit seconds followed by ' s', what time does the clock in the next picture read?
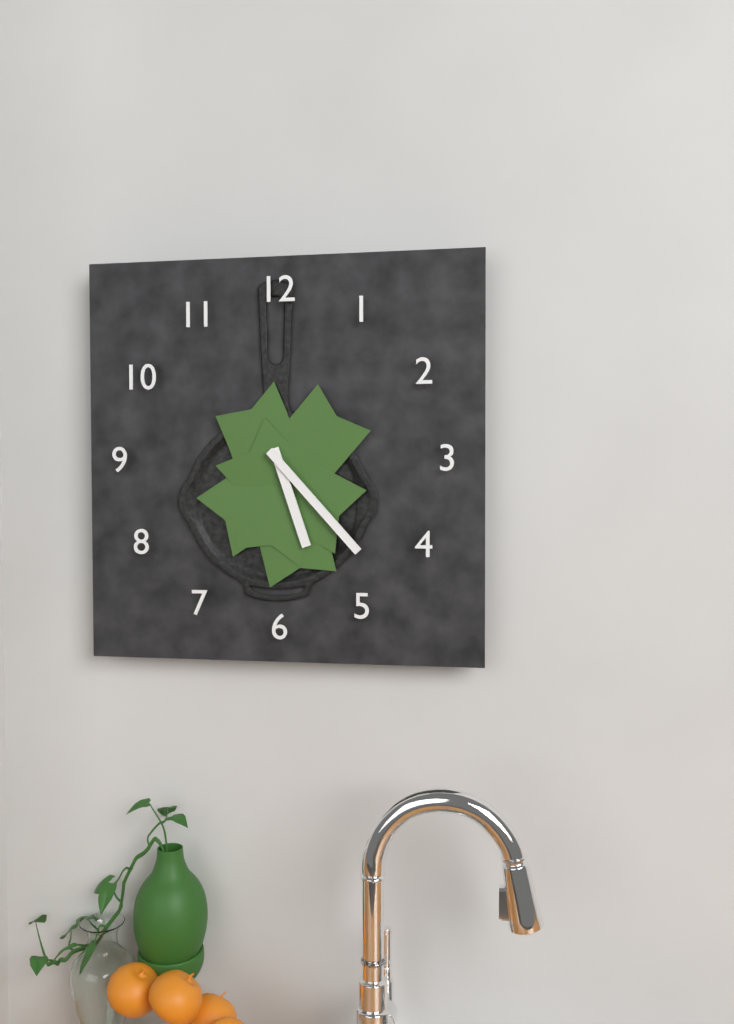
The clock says 5 h 23 min
